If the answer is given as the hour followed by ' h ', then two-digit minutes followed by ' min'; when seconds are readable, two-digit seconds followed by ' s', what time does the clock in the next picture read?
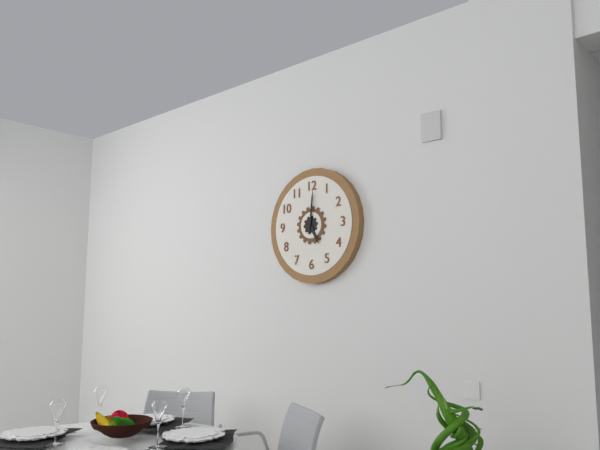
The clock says 5 h 01 min
